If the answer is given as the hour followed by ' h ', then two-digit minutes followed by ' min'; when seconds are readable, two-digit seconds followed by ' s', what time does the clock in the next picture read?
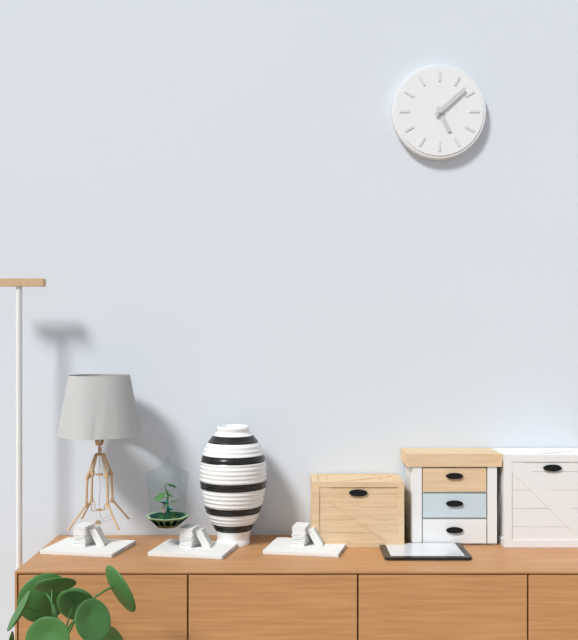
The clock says 5 h 08 min
